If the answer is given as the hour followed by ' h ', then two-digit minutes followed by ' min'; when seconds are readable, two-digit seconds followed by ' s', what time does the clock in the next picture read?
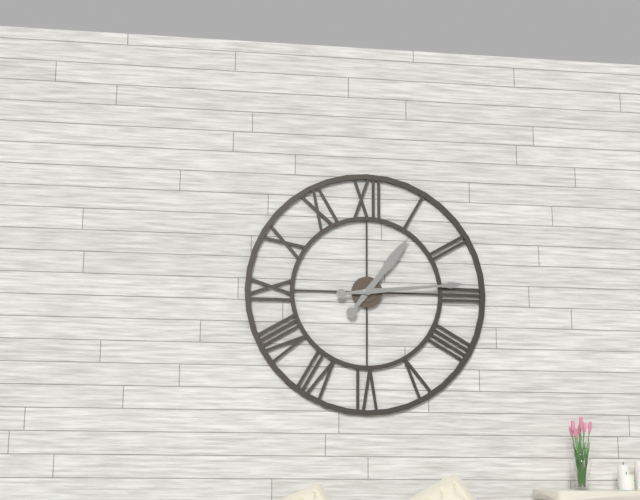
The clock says 1 h 14 min
